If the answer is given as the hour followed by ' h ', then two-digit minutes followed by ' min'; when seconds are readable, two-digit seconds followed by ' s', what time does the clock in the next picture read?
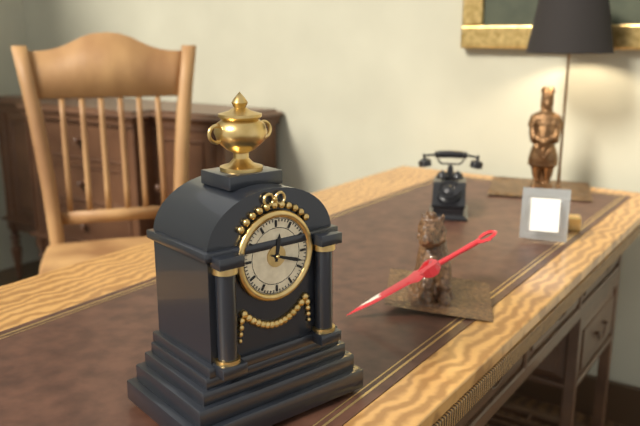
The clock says 12 h 18 min
